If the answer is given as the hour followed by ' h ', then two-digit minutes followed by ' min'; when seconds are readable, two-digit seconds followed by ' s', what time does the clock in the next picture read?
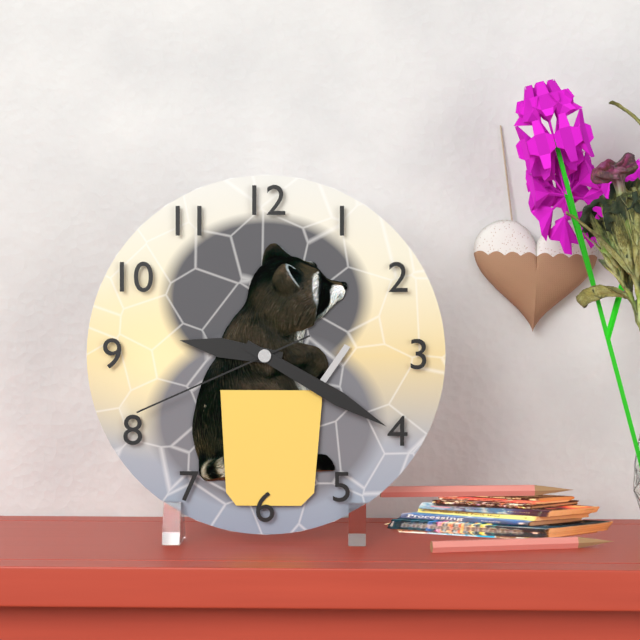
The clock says 9 h 20 min 41 s
